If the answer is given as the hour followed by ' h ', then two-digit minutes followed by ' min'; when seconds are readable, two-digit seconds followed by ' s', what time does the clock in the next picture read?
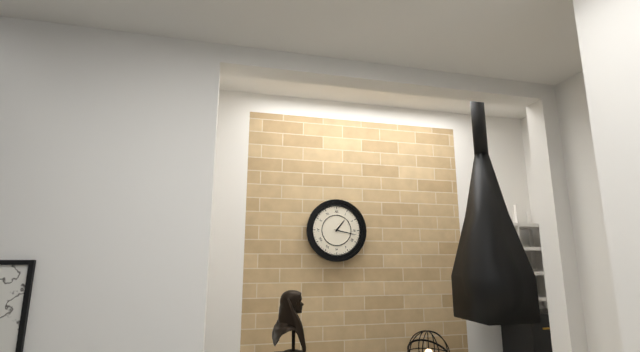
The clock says 1 h 17 min
